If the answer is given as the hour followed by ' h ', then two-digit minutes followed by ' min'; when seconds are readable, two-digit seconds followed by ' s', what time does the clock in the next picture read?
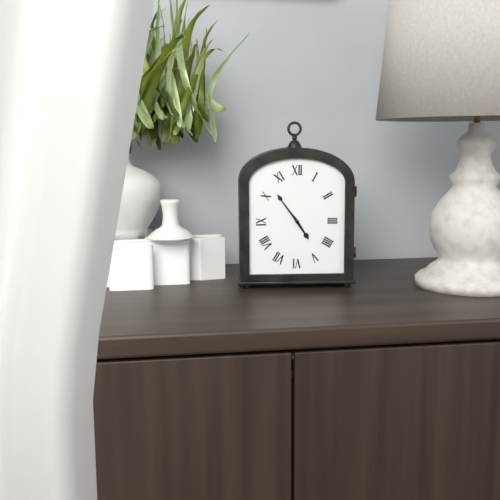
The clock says 4 h 54 min
